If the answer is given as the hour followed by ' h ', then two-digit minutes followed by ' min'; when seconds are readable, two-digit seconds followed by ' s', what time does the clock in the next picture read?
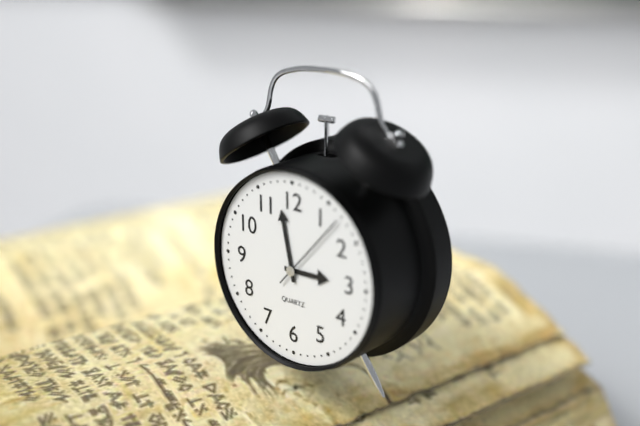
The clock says 2 h 58 min 07 s
